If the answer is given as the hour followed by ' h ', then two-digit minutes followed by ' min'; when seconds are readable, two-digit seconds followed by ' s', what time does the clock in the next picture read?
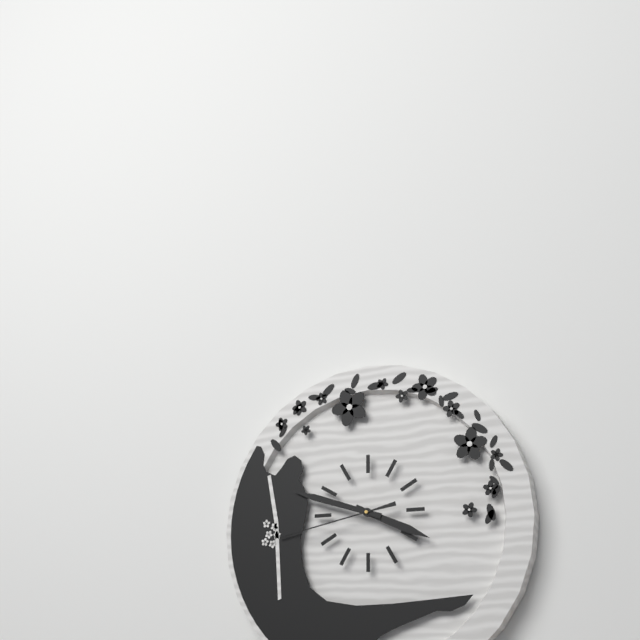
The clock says 3 h 48 min 43 s
